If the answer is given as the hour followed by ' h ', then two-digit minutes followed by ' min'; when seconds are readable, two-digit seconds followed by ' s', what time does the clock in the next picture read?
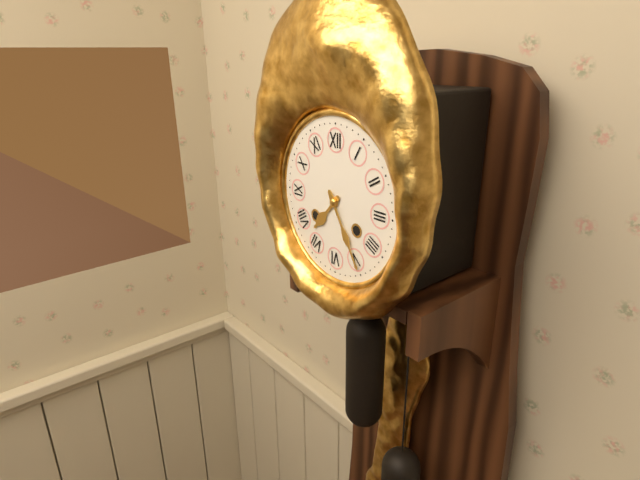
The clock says 7 h 25 min
